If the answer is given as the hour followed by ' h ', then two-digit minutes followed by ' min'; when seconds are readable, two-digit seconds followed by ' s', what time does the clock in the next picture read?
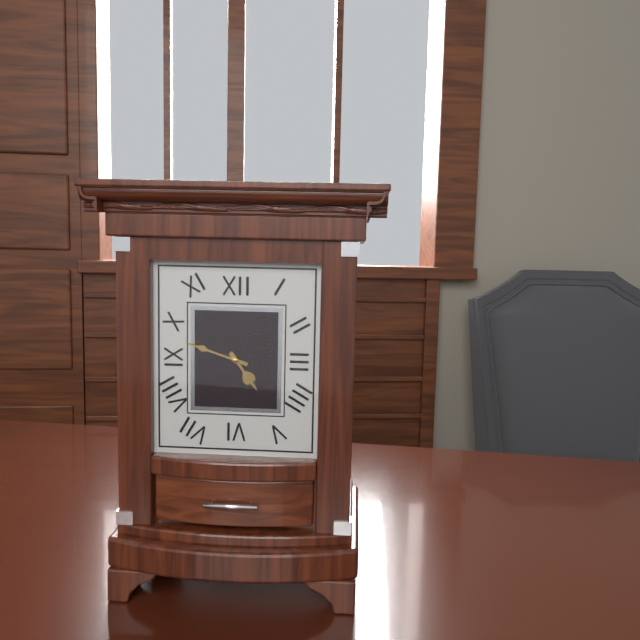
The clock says 4 h 48 min
